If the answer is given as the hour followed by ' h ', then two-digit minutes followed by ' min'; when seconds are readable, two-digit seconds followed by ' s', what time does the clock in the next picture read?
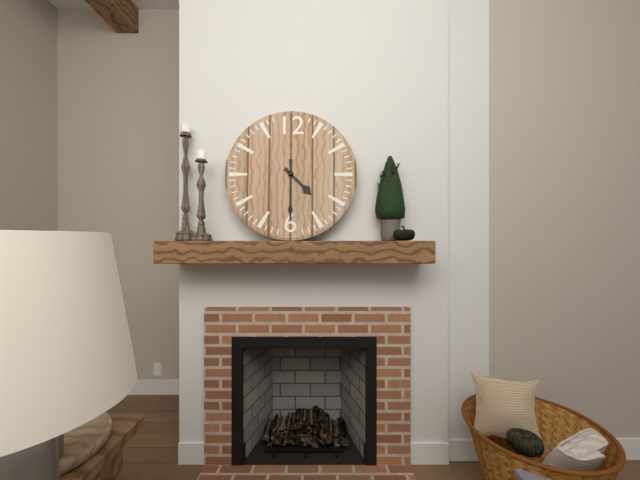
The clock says 4 h 30 min
